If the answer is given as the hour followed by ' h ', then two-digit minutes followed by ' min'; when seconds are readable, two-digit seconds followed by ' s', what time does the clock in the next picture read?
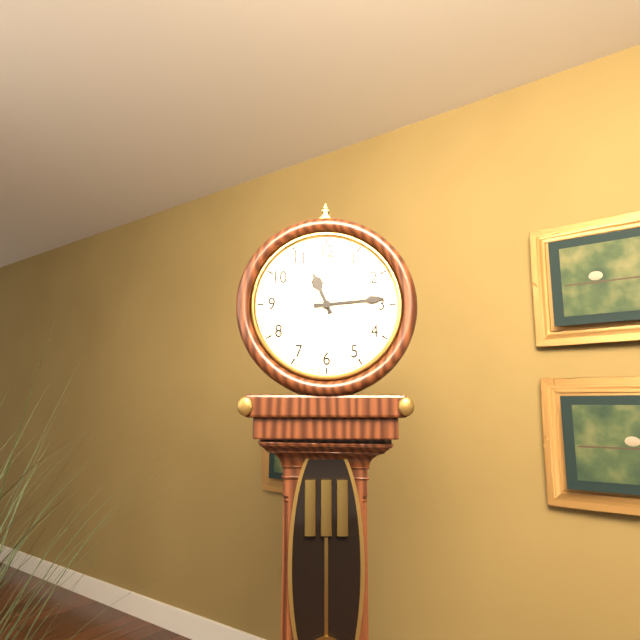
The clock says 11 h 14 min
